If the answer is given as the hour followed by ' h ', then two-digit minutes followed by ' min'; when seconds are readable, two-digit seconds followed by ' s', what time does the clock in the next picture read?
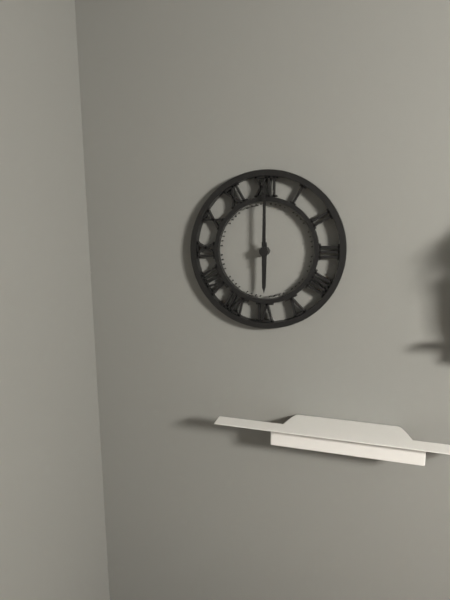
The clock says 6 h 00 min
